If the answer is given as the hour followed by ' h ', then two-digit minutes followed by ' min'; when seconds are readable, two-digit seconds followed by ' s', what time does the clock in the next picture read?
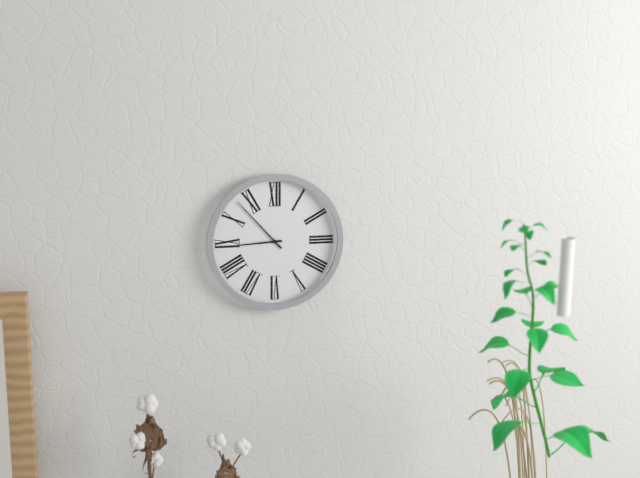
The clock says 8 h 53 min
